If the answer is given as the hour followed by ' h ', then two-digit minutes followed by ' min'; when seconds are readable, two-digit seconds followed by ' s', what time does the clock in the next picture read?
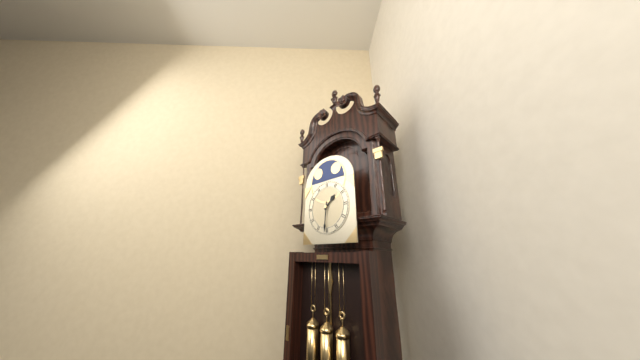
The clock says 1 h 31 min
